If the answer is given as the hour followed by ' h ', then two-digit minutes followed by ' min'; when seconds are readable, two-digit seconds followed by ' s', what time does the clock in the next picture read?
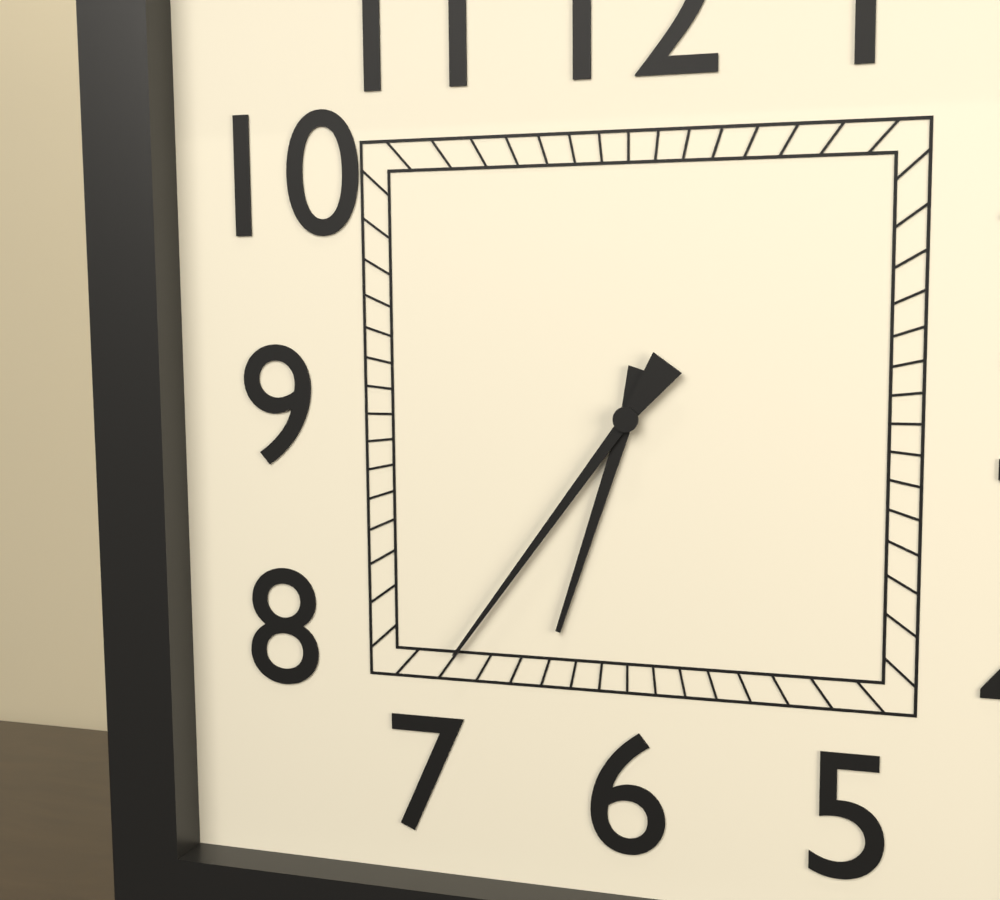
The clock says 6 h 36 min
